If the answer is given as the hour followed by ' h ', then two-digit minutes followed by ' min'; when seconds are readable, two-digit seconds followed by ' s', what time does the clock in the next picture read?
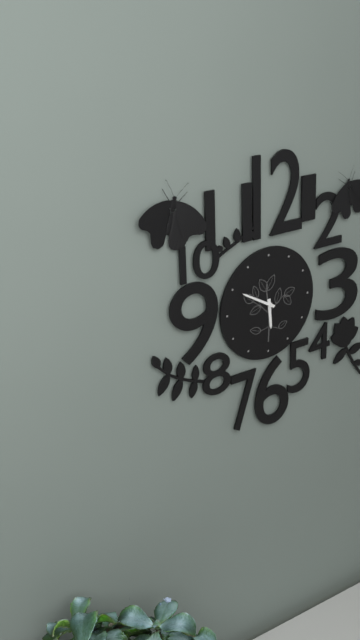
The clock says 5 h 50 min
